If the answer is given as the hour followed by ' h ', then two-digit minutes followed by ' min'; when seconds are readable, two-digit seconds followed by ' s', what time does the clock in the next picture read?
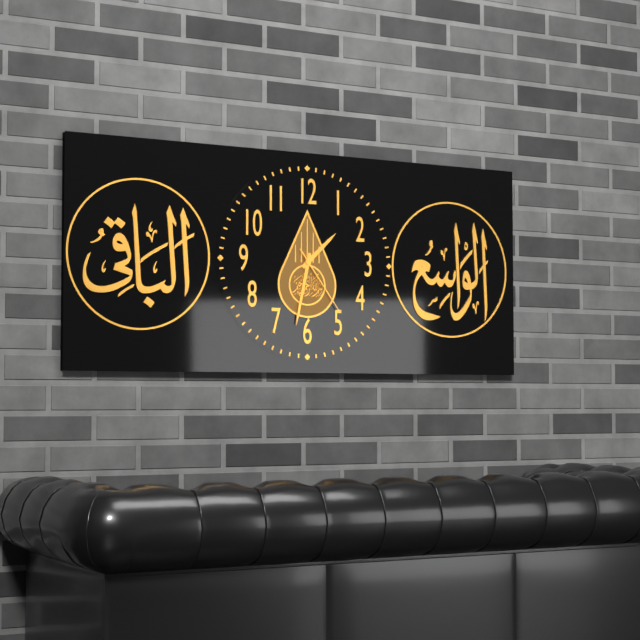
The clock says 1 h 32 min 24 s
